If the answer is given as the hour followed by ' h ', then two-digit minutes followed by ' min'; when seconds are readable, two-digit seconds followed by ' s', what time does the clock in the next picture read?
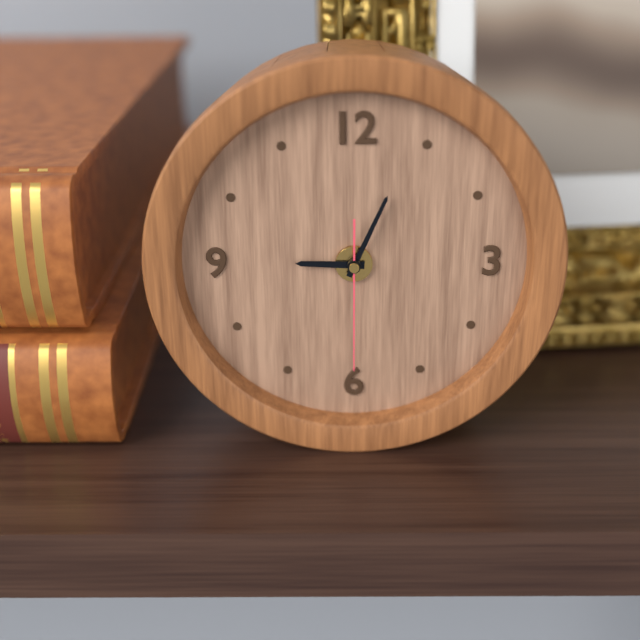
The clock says 9 h 04 min 30 s
